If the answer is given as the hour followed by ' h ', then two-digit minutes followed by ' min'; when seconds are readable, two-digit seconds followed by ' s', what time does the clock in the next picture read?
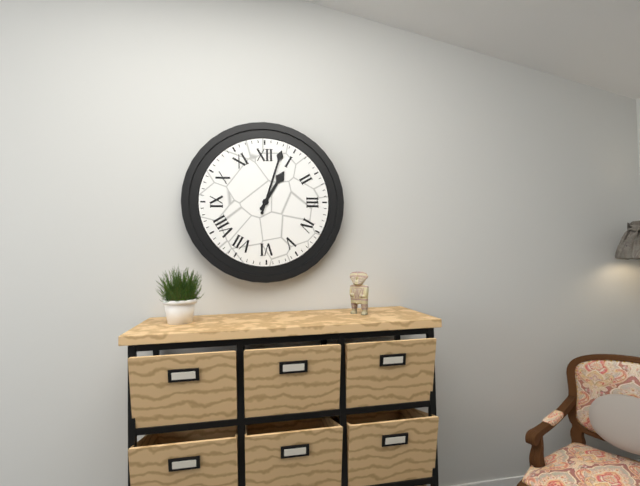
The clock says 1 h 03 min
